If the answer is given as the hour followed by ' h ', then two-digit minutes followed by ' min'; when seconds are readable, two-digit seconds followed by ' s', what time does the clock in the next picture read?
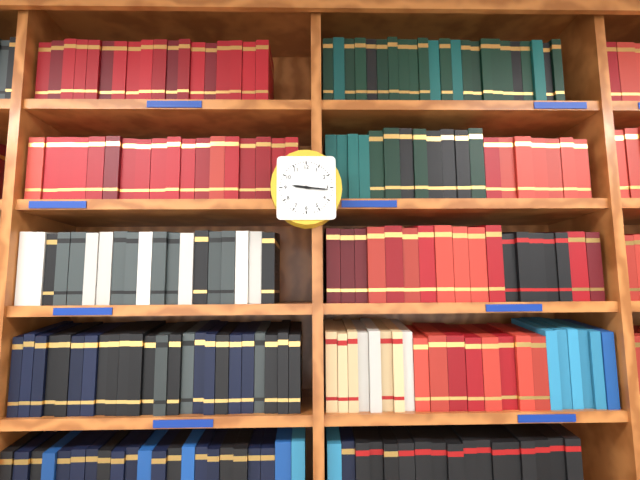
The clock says 9 h 16 min
